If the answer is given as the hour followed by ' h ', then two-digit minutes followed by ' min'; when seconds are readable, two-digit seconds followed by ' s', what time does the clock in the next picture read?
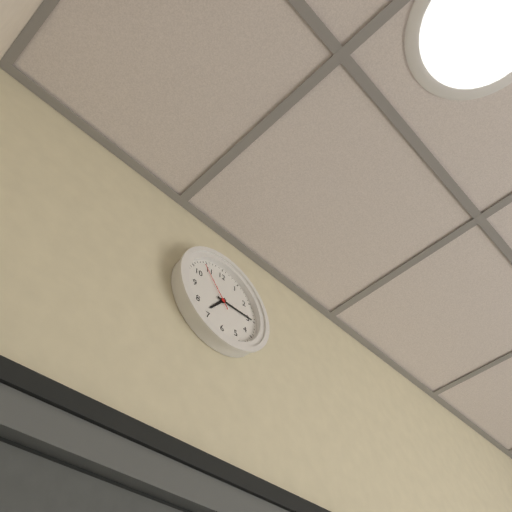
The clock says 7 h 15 min 54 s
